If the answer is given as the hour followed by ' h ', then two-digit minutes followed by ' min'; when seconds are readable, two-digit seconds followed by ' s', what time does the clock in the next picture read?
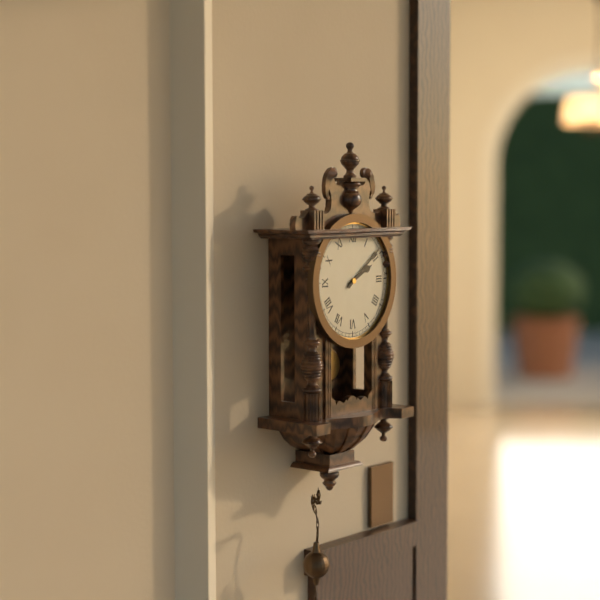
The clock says 2 h 09 min
